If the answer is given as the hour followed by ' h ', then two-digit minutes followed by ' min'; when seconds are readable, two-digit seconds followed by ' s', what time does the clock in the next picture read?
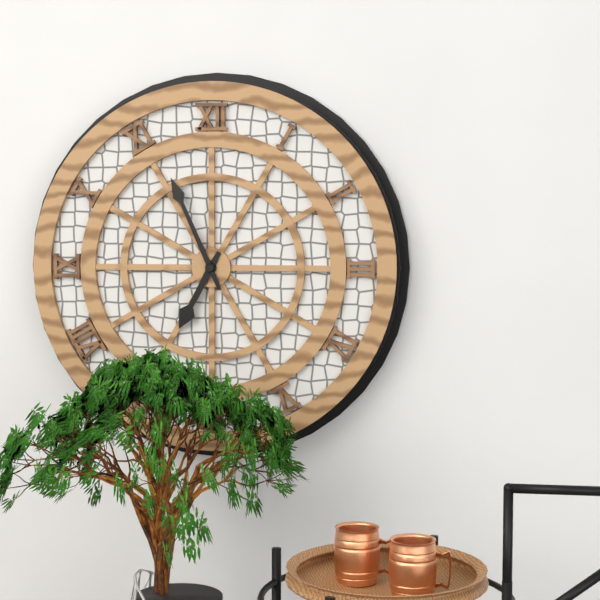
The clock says 6 h 56 min
